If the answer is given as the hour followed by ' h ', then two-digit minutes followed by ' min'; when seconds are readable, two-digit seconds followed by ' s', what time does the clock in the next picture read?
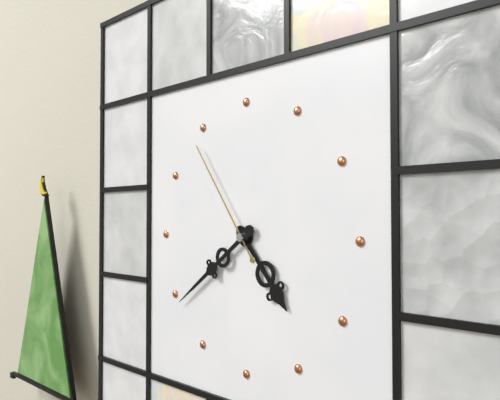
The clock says 4 h 39 min 54 s
